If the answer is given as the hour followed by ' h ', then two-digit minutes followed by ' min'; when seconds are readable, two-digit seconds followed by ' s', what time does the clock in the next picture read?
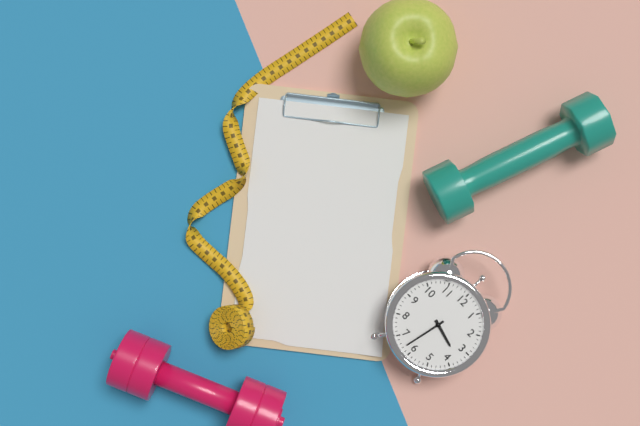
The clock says 3 h 32 min
